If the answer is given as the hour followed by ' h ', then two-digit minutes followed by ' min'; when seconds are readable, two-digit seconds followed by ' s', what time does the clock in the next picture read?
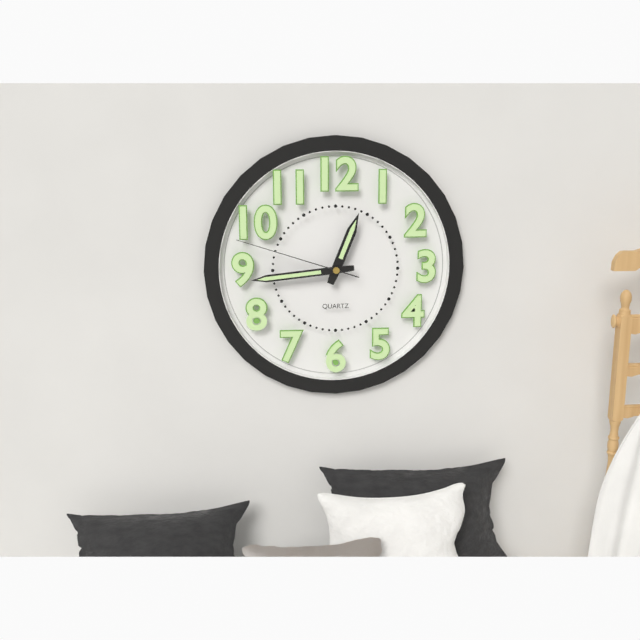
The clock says 12 h 44 min 48 s
